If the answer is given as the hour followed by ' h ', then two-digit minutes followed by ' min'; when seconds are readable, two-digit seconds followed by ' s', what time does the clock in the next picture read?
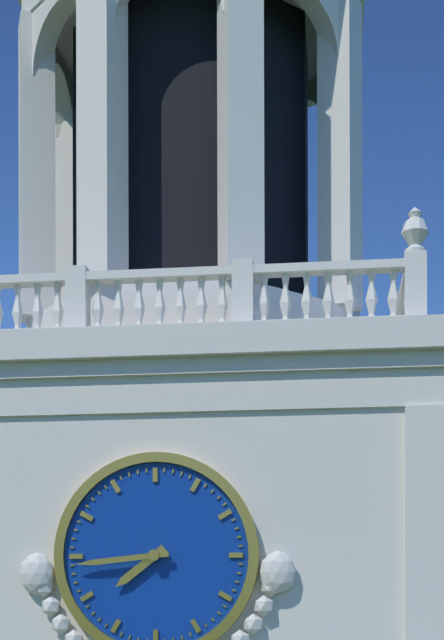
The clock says 7 h 44 min
